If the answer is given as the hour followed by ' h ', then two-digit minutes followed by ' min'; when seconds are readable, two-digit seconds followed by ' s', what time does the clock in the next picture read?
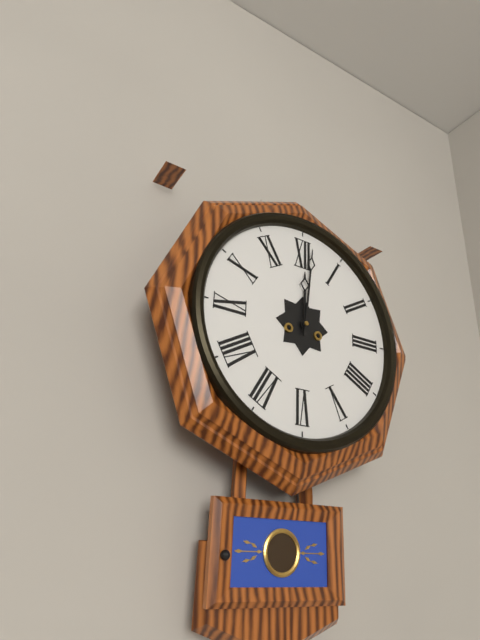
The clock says 12 h 01 min
